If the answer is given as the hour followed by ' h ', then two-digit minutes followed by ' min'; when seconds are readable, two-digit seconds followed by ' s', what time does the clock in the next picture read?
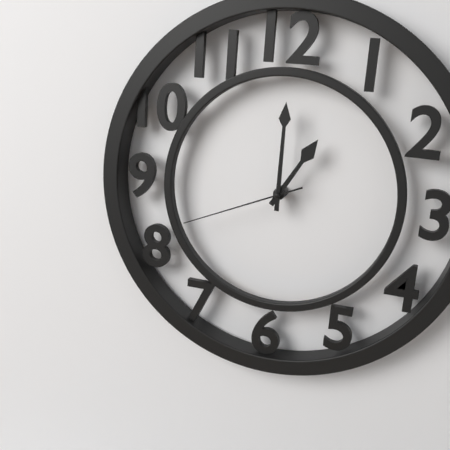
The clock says 1 h 00 min 41 s
